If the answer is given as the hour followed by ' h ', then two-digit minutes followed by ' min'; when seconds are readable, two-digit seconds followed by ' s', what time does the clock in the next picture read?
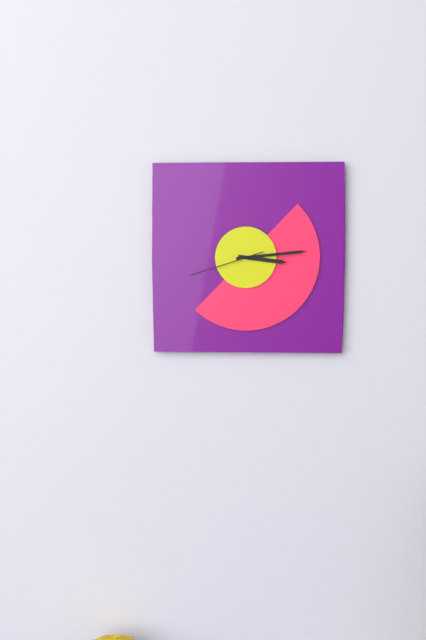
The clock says 3 h 14 min 42 s
